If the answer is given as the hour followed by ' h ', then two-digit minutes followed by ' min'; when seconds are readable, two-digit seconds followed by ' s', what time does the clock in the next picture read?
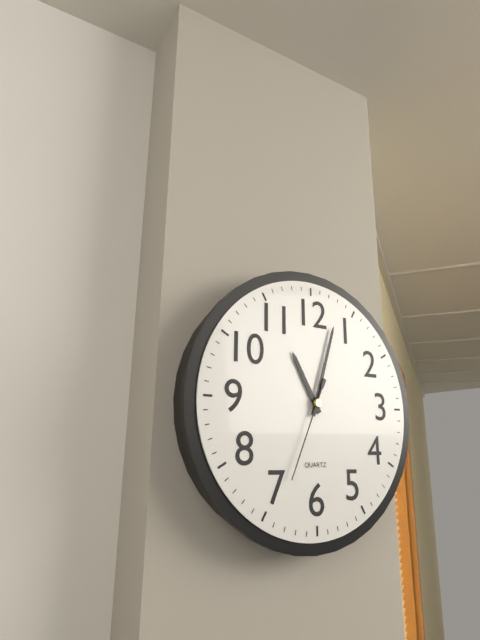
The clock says 11 h 03 min 34 s
